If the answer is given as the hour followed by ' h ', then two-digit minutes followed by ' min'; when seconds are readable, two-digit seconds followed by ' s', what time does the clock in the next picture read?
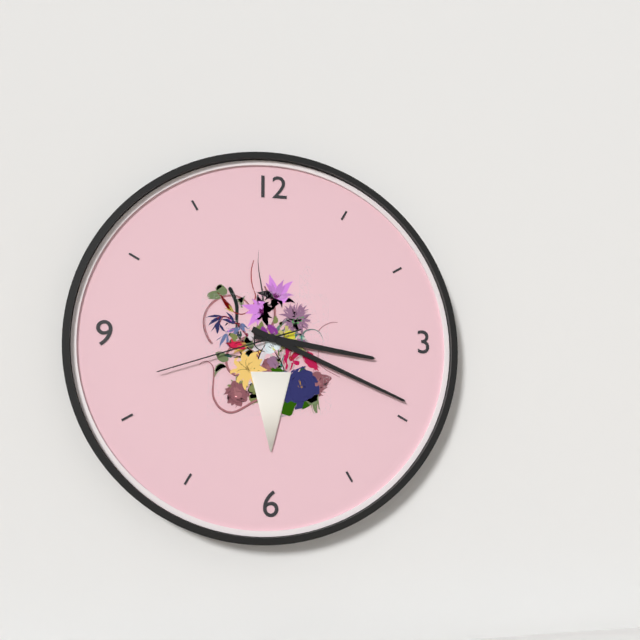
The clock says 3 h 19 min 42 s
